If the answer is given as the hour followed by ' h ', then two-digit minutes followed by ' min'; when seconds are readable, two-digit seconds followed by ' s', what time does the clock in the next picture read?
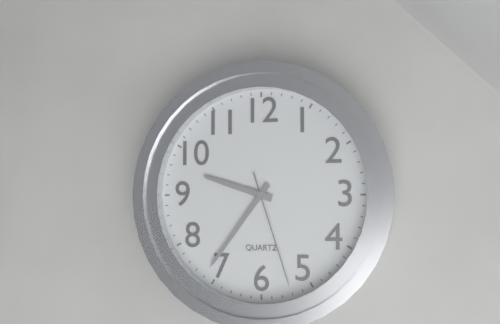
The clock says 9 h 36 min 27 s
